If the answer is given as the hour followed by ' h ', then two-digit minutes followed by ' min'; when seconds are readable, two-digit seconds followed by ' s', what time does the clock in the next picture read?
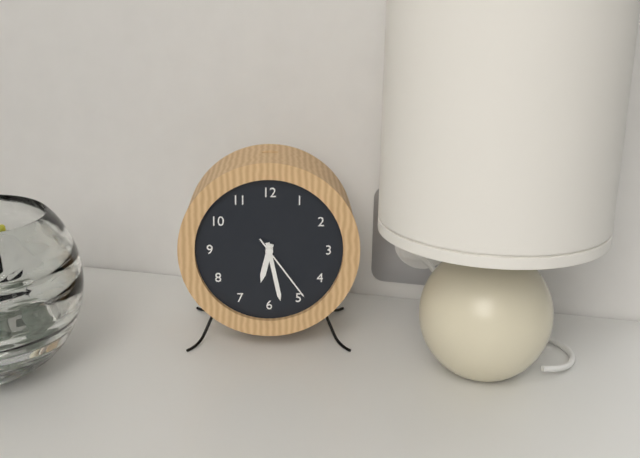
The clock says 6 h 28 min 24 s
